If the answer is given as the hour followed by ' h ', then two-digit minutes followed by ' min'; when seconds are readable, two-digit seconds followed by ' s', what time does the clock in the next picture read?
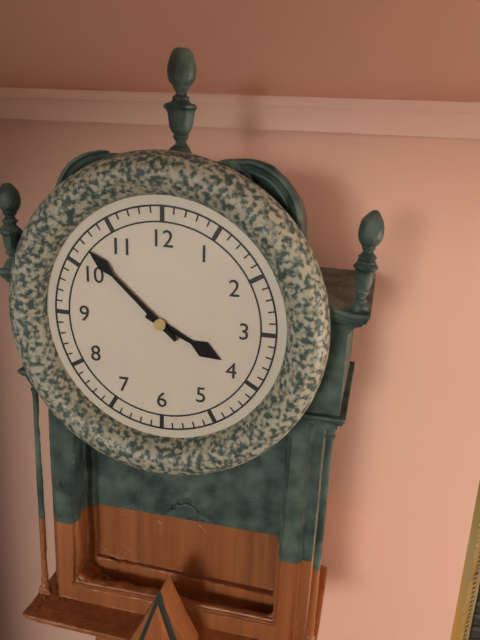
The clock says 3 h 52 min
